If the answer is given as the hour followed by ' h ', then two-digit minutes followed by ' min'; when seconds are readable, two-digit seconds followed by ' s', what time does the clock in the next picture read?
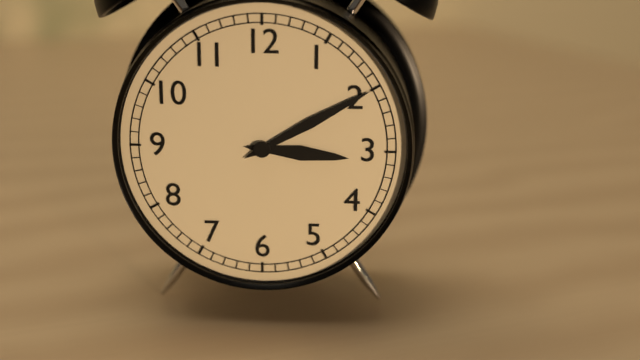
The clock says 3 h 10 min
